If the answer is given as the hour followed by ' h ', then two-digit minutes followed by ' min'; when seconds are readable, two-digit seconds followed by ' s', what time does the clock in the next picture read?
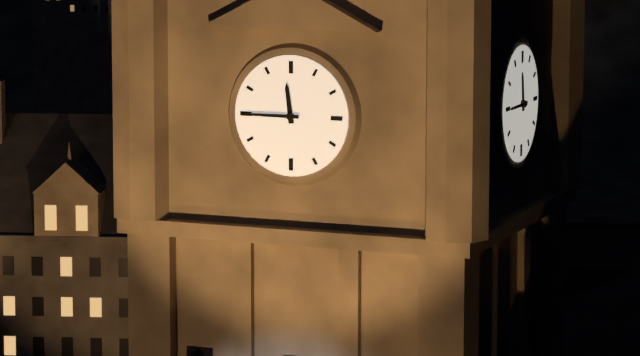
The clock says 11 h 45 min
